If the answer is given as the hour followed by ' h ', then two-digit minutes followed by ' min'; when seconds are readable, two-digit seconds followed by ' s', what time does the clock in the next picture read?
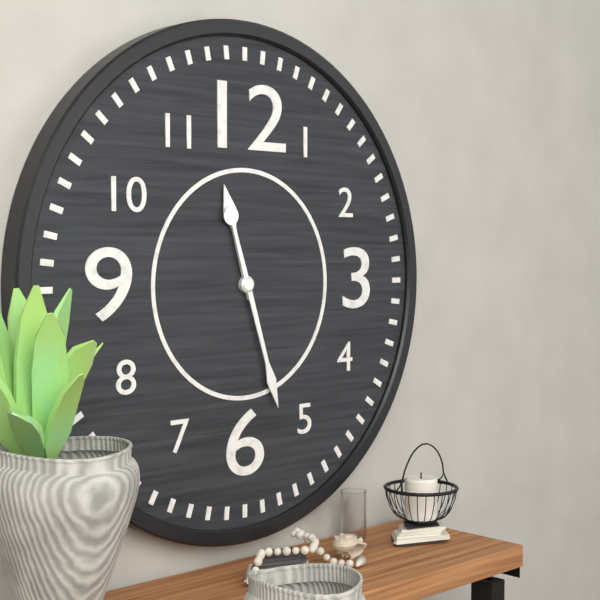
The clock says 11 h 27 min
